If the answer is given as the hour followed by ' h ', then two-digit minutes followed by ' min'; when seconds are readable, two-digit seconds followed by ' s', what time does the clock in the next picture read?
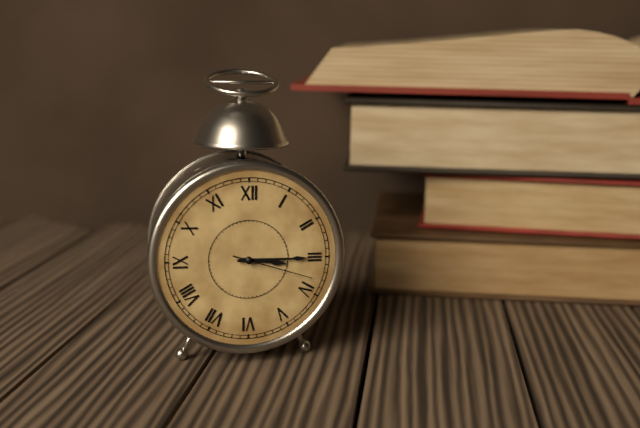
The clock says 3 h 15 min 18 s
